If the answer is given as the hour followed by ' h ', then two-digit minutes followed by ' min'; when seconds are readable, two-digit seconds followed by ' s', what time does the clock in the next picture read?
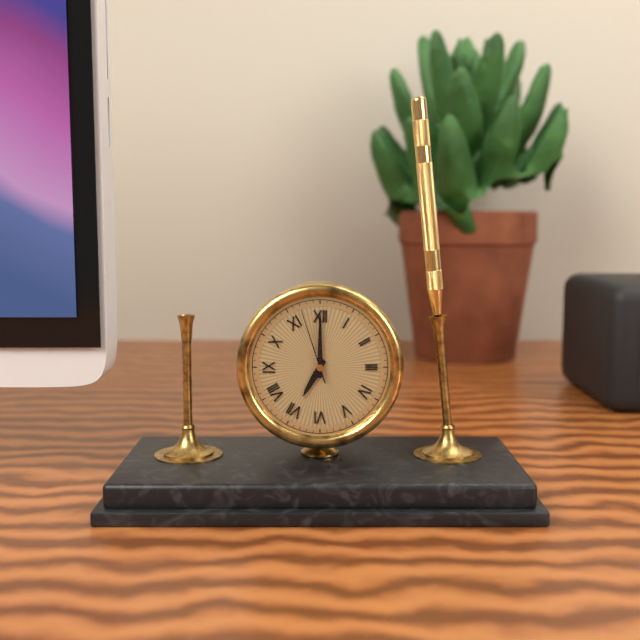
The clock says 7 h 00 min 57 s
